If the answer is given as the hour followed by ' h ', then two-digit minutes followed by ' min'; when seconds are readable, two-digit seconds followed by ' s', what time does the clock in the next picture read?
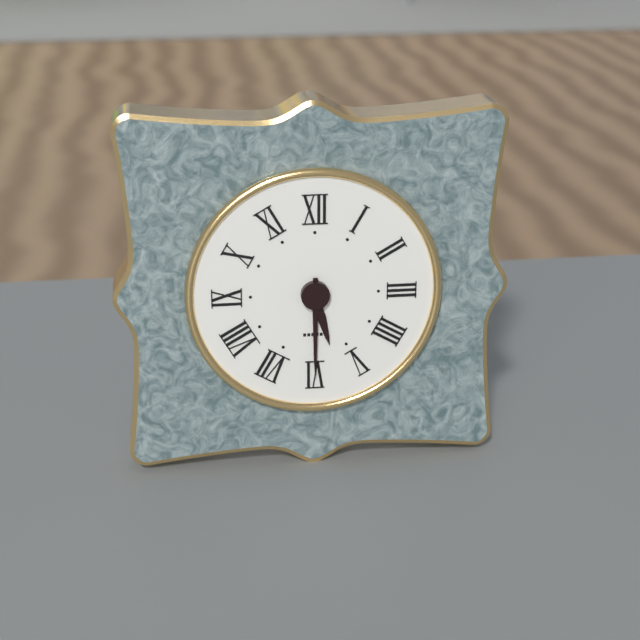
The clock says 5 h 30 min
